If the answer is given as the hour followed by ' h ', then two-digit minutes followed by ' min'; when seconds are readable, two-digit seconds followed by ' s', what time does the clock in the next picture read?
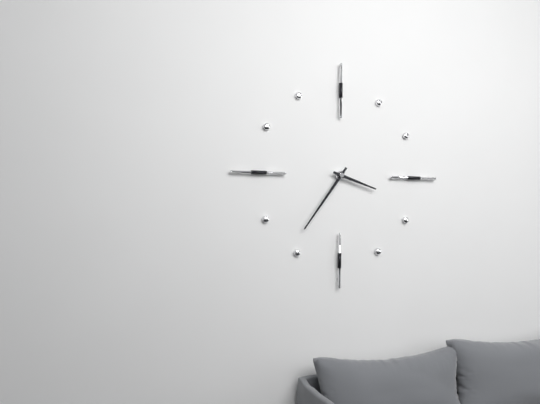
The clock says 3 h 36 min
